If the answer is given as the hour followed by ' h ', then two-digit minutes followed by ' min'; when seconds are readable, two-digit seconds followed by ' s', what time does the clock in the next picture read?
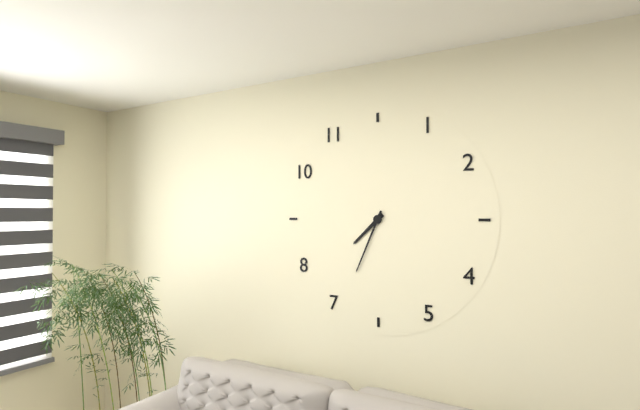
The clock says 7 h 34 min
